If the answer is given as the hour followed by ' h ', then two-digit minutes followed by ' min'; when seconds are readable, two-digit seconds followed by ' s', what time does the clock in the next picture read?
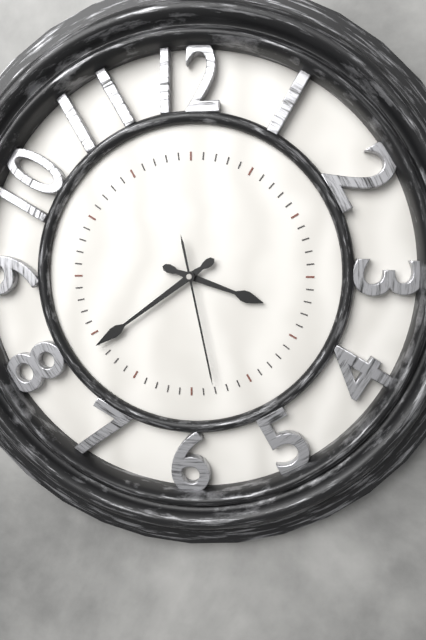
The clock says 3 h 39 min 28 s
